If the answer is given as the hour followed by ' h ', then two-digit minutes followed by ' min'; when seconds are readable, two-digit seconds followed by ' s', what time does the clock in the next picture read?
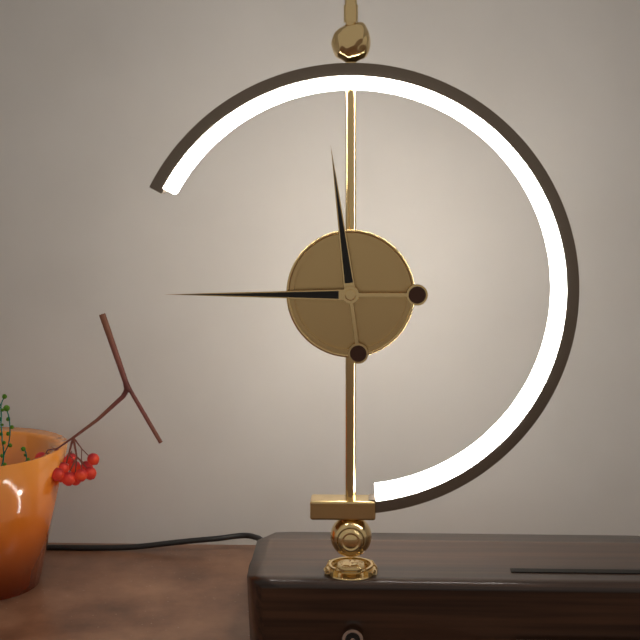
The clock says 11 h 45 min
